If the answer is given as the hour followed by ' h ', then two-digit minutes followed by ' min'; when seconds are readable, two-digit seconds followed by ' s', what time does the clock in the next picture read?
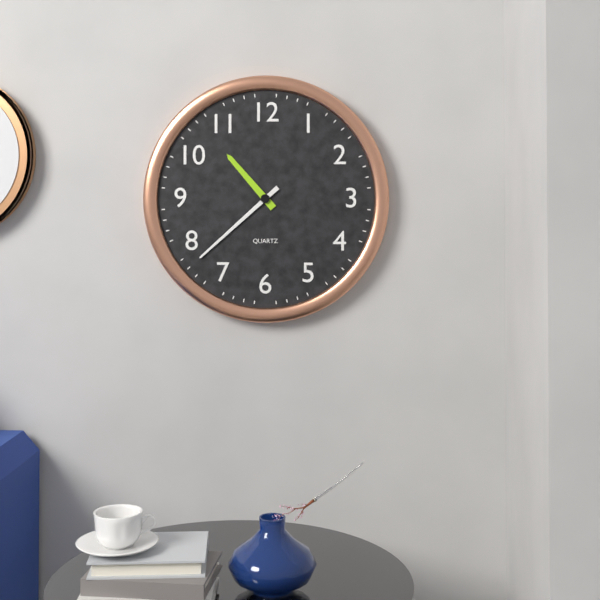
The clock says 10 h 38 min
